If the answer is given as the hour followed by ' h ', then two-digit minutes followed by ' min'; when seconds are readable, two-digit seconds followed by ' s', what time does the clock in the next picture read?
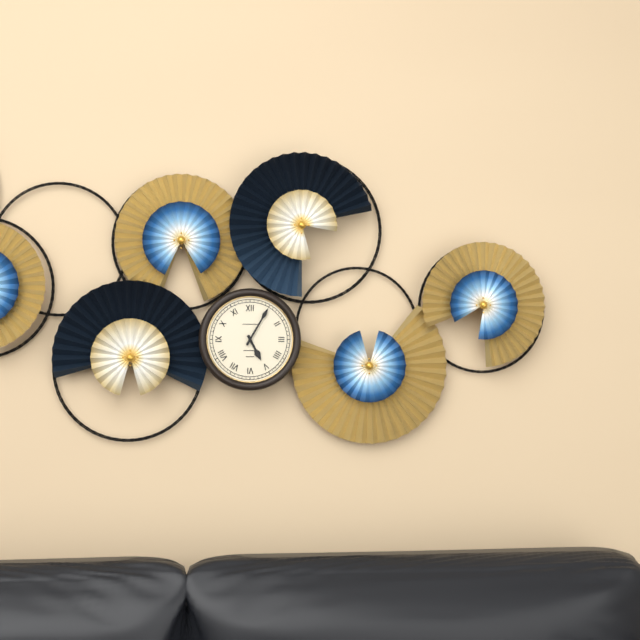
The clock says 5 h 05 min
